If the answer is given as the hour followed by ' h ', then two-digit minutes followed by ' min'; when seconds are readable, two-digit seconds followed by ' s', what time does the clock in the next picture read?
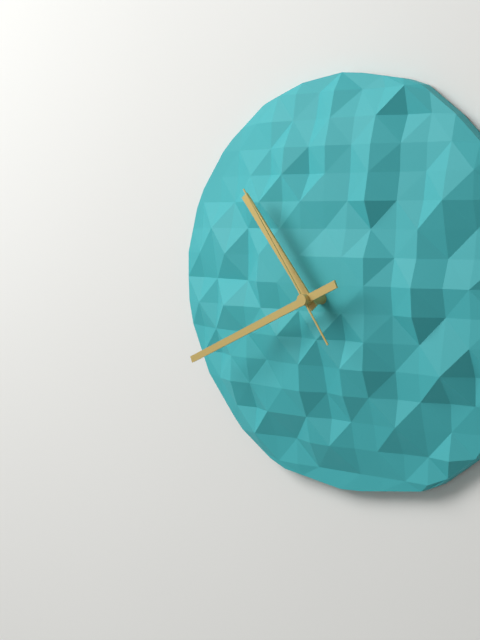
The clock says 10 h 41 min 54 s
